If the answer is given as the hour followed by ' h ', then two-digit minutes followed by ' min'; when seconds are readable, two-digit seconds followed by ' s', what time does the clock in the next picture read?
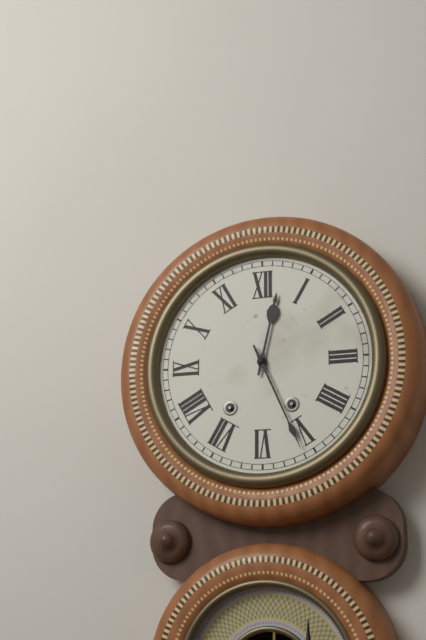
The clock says 12 h 26 min
